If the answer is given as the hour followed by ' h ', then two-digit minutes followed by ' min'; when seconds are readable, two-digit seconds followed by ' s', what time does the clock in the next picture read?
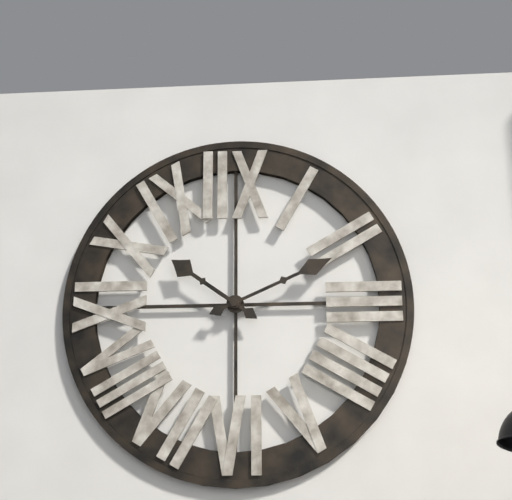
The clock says 10 h 11 min
